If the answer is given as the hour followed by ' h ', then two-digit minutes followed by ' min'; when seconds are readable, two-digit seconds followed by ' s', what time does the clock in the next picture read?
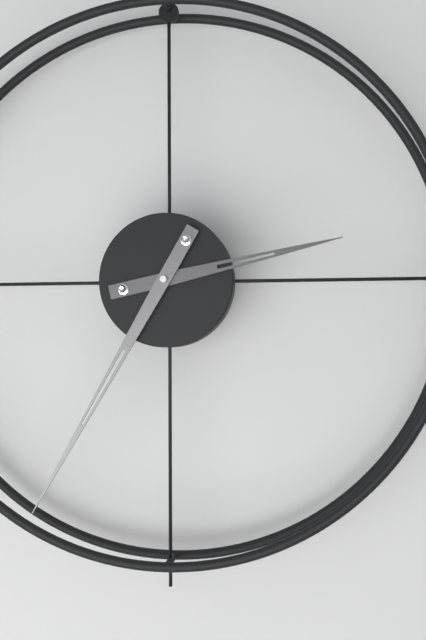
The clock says 2 h 35 min
